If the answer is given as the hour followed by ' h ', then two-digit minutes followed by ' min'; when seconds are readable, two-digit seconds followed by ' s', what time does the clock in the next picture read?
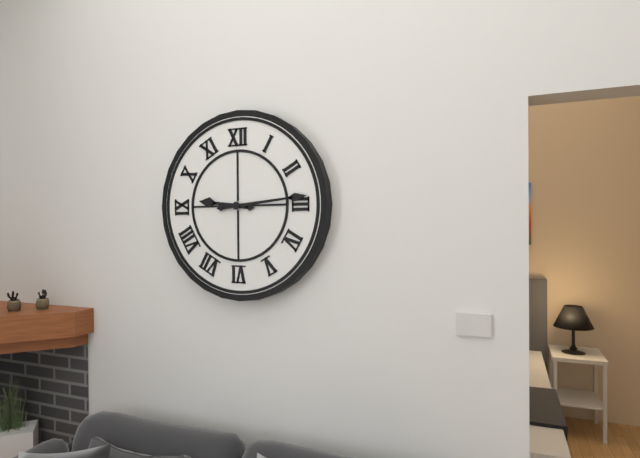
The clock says 9 h 14 min
